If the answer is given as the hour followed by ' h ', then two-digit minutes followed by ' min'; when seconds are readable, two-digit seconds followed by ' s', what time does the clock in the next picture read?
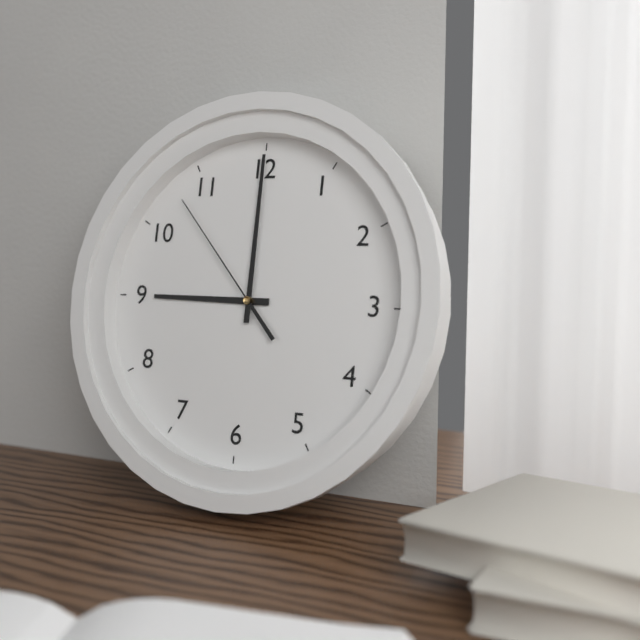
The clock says 9 h 00 min 53 s
